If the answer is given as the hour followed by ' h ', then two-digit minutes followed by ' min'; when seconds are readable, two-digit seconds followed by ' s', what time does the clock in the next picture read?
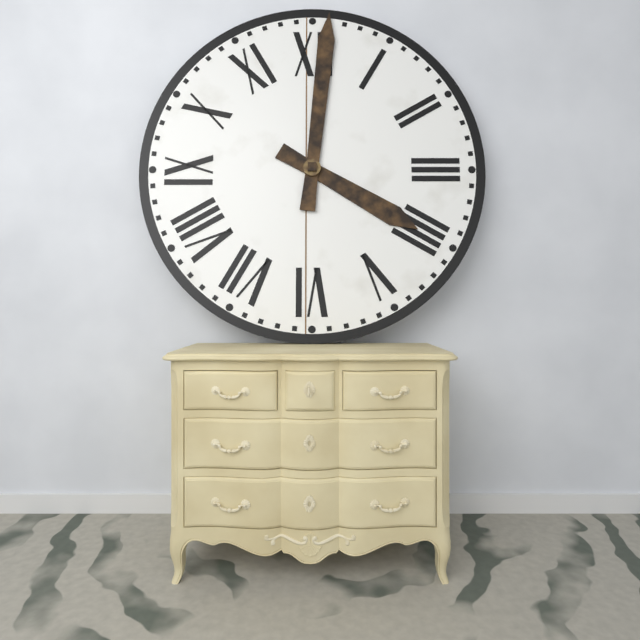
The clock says 4 h 01 min
